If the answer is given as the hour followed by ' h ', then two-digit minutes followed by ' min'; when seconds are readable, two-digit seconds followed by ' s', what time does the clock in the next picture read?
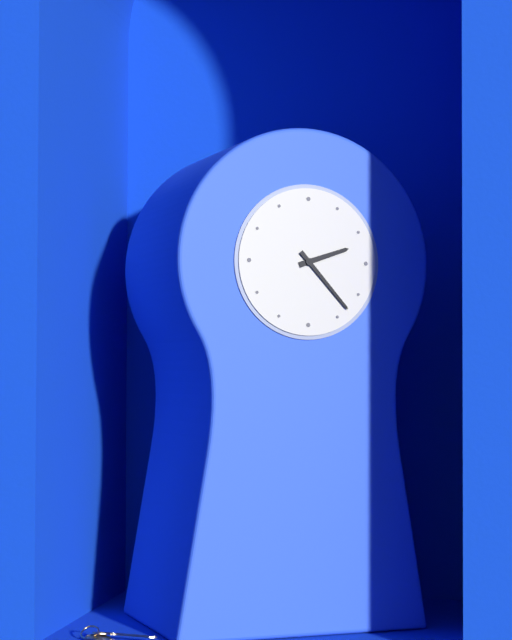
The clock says 2 h 23 min
